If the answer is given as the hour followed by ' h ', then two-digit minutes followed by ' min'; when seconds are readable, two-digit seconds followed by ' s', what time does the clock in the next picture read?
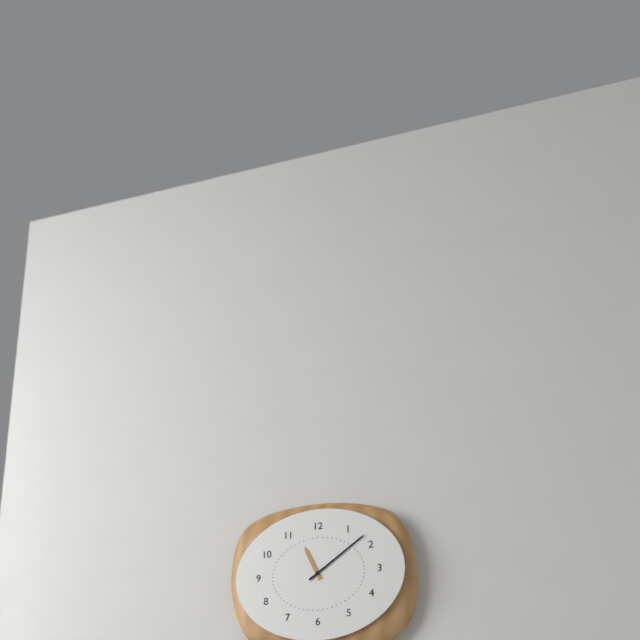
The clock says 11 h 09 min
